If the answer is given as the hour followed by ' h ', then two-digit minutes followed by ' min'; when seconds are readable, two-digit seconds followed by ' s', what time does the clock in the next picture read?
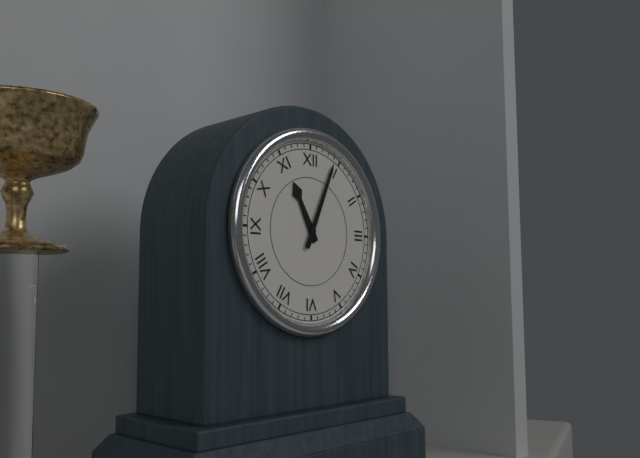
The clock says 11 h 04 min
